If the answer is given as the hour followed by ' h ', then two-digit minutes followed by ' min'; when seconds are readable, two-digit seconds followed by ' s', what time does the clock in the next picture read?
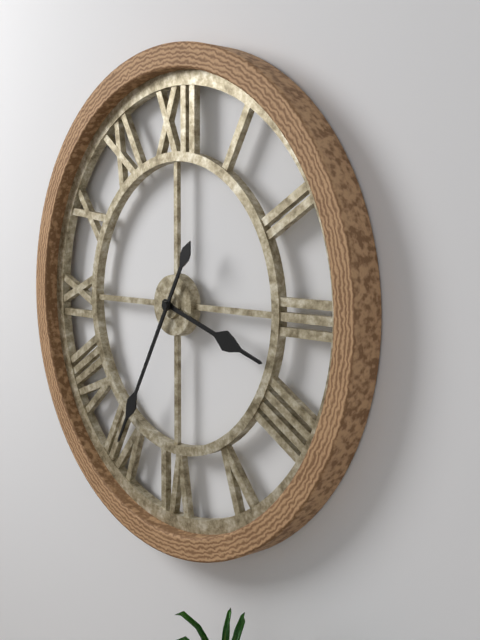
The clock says 3 h 35 min
